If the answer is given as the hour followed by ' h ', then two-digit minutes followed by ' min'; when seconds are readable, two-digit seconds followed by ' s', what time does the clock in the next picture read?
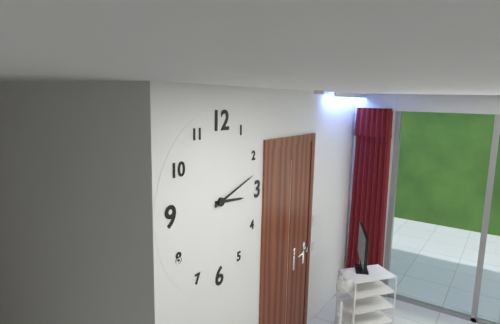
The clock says 3 h 12 min
